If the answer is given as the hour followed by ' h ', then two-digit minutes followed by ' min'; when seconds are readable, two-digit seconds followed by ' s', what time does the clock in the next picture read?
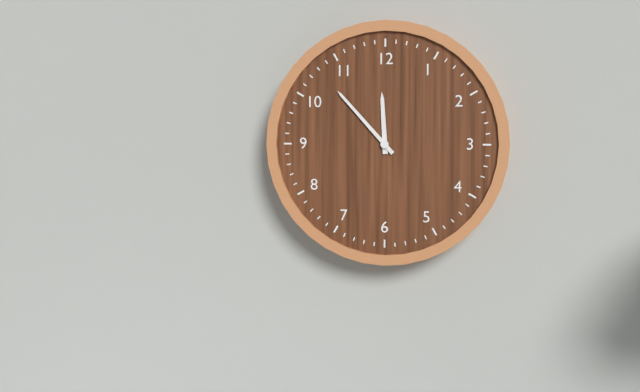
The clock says 11 h 53 min
